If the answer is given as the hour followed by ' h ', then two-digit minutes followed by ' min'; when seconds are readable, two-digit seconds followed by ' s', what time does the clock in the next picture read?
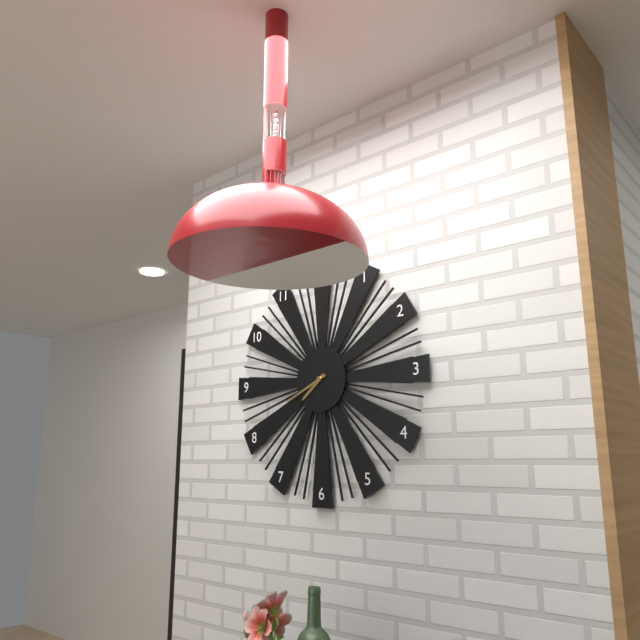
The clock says 7 h 41 min
